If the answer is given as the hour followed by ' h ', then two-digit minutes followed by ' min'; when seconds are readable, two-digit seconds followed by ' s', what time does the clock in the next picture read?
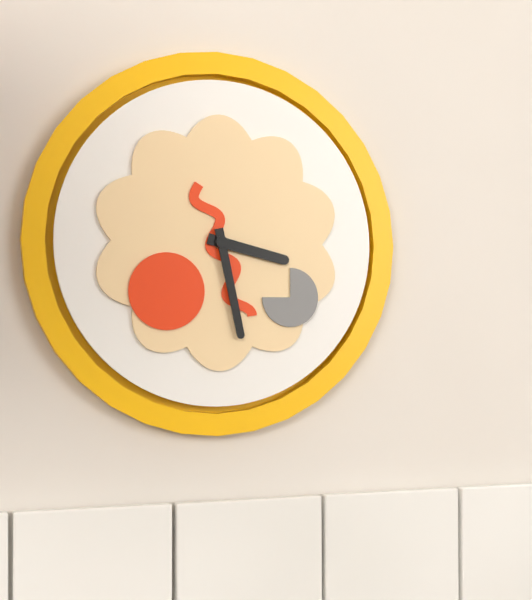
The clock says 3 h 28 min
